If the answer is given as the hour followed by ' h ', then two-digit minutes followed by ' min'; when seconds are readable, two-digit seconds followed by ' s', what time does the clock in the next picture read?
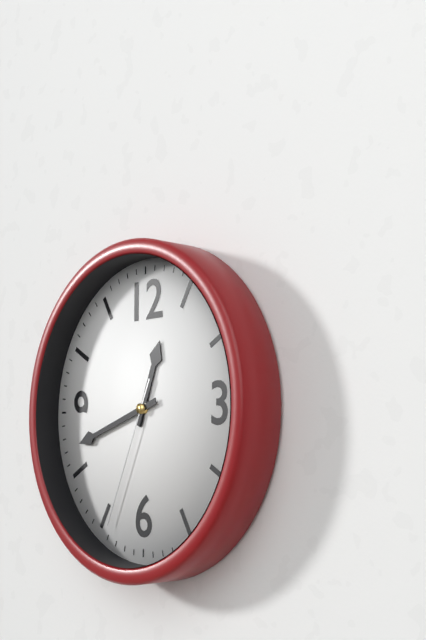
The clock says 12 h 42 min 34 s
